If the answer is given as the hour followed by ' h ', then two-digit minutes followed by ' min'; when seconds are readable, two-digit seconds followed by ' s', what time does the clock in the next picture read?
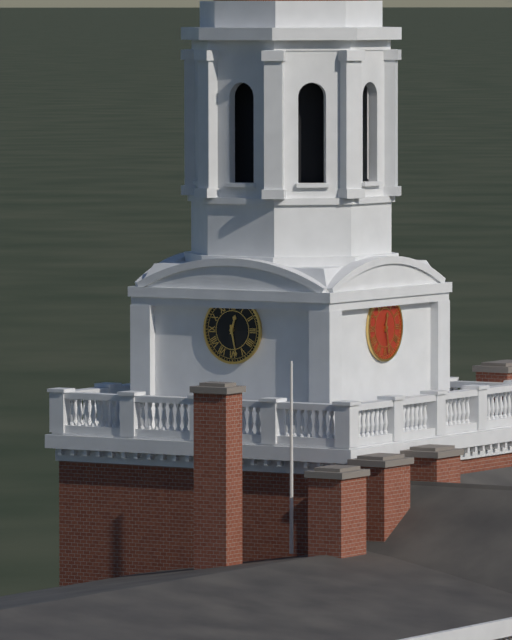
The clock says 12 h 28 min
